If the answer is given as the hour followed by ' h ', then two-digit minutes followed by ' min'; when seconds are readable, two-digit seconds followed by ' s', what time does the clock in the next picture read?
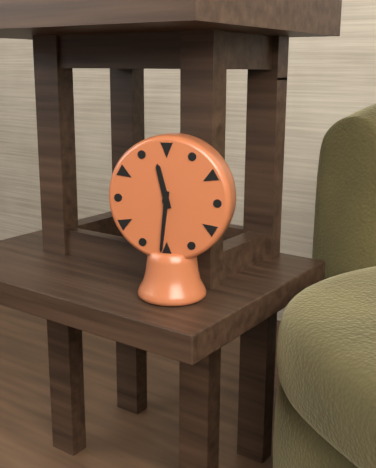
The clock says 11 h 31 min
